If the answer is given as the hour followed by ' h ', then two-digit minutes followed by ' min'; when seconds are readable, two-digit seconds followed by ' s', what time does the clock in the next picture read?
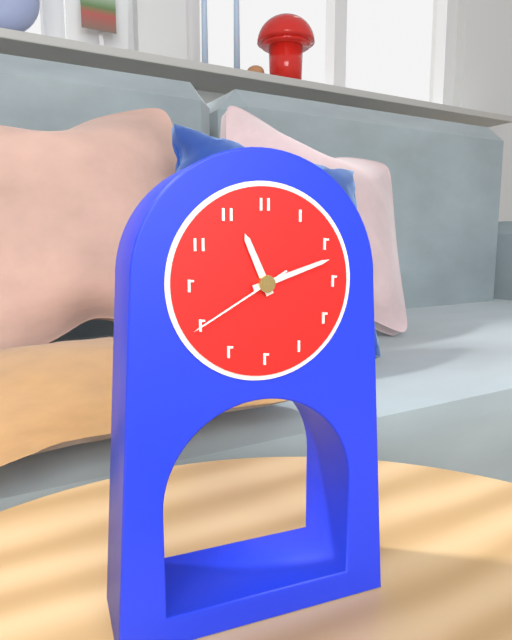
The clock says 11 h 12 min 40 s
